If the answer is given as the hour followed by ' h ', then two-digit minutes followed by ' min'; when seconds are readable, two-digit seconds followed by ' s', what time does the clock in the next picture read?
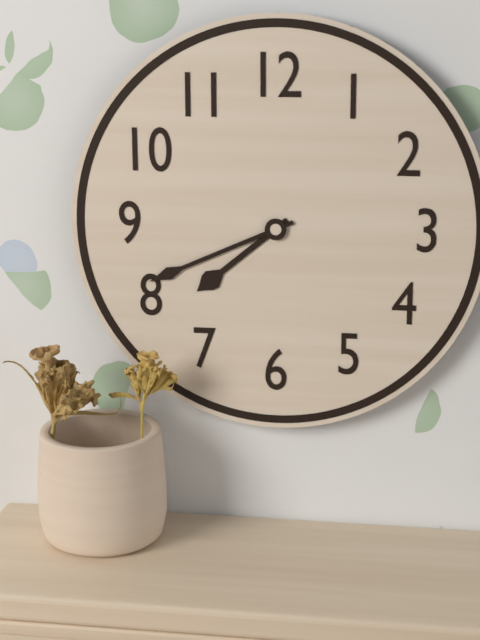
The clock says 7 h 41 min
